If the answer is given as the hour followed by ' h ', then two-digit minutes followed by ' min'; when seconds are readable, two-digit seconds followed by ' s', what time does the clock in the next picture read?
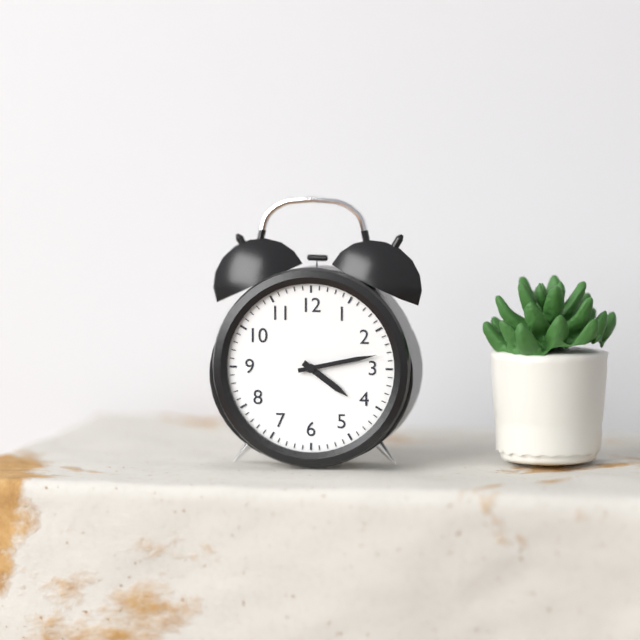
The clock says 4 h 13 min
